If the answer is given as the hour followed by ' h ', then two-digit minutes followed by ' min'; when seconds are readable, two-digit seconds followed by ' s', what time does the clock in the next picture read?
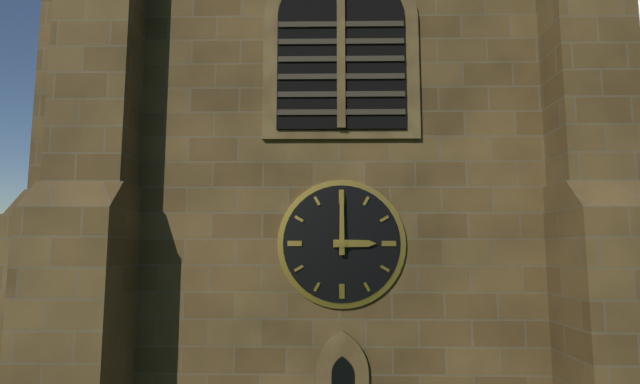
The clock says 3 h 00 min
